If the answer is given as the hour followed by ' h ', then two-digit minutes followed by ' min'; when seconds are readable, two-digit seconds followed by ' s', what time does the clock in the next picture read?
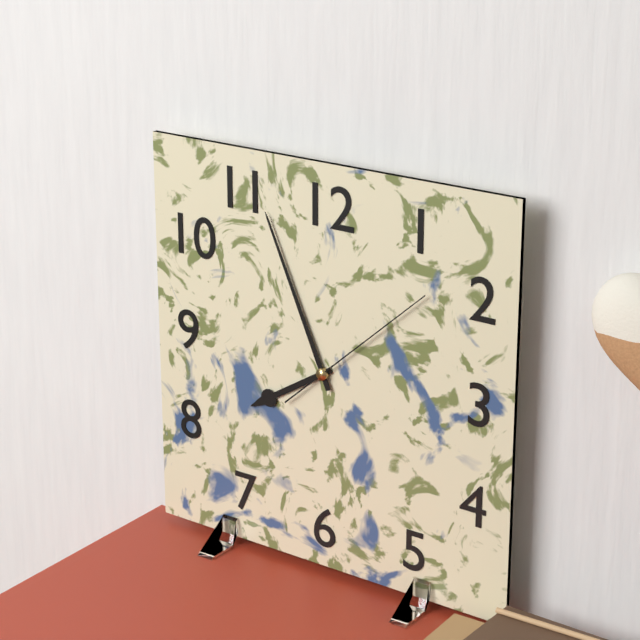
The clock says 7 h 56 min 08 s
